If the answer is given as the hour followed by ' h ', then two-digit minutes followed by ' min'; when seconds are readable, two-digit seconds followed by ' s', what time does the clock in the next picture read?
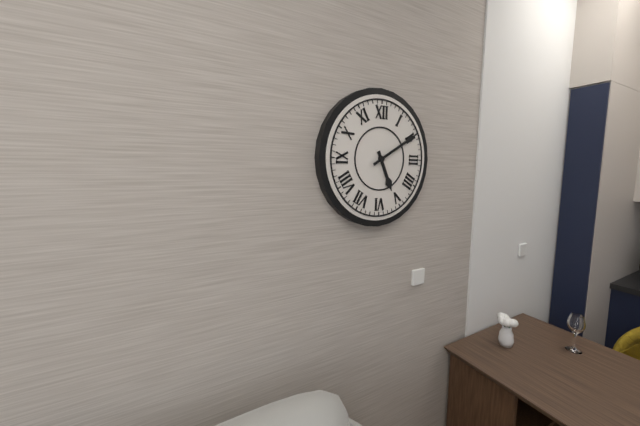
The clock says 5 h 10 min
